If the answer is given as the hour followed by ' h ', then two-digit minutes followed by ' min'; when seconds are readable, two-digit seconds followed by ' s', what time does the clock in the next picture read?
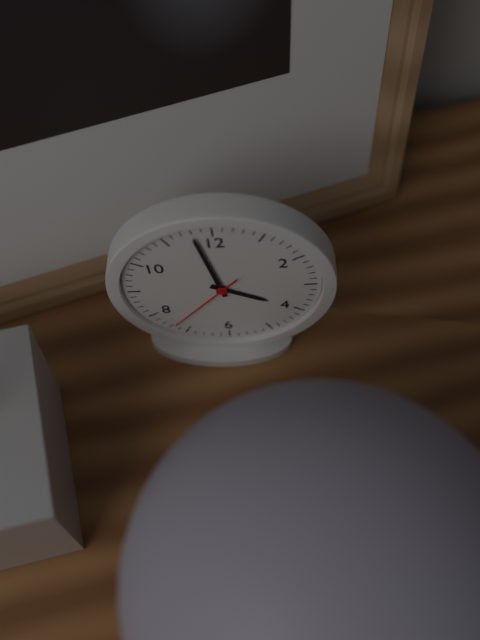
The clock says 3 h 58 min 37 s
